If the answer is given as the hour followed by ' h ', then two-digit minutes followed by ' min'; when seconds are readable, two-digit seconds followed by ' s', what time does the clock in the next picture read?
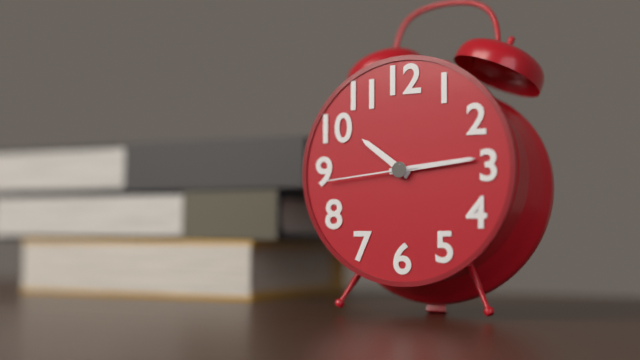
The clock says 10 h 14 min 44 s
